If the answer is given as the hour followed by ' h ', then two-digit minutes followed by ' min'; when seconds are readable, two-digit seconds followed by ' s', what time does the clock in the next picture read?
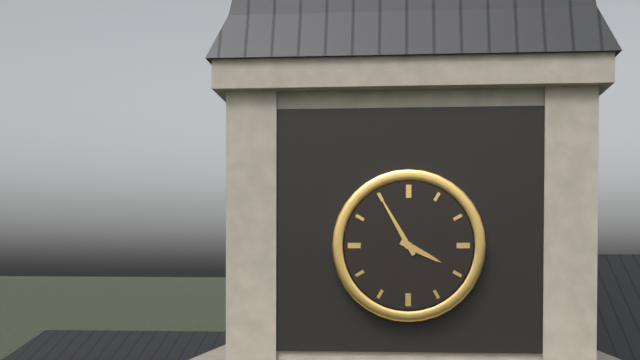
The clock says 3 h 55 min
